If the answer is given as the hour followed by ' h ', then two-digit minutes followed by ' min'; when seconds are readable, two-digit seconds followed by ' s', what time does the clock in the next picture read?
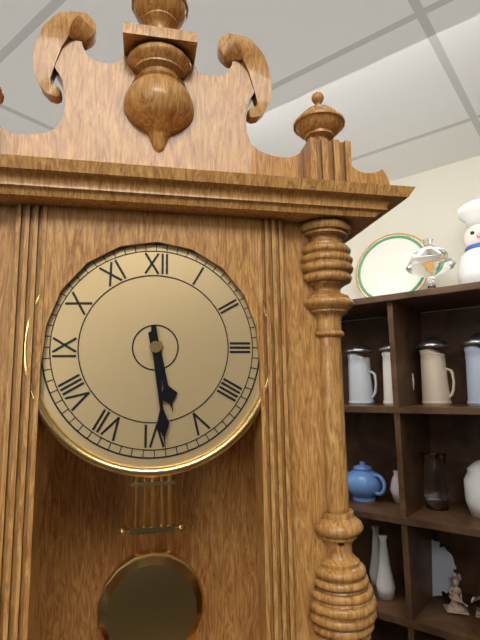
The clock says 5 h 29 min
